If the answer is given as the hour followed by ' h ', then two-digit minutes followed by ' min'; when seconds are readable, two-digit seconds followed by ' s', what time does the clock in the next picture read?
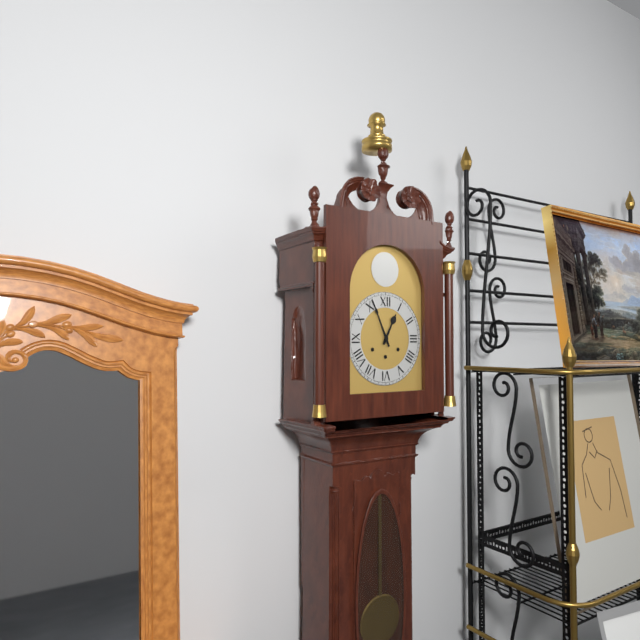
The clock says 12 h 56 min
